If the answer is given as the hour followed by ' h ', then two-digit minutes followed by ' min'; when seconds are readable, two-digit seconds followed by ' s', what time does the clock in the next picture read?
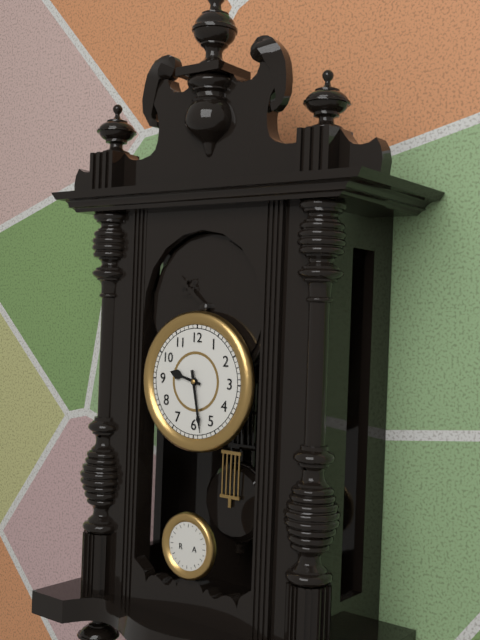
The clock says 9 h 28 min
